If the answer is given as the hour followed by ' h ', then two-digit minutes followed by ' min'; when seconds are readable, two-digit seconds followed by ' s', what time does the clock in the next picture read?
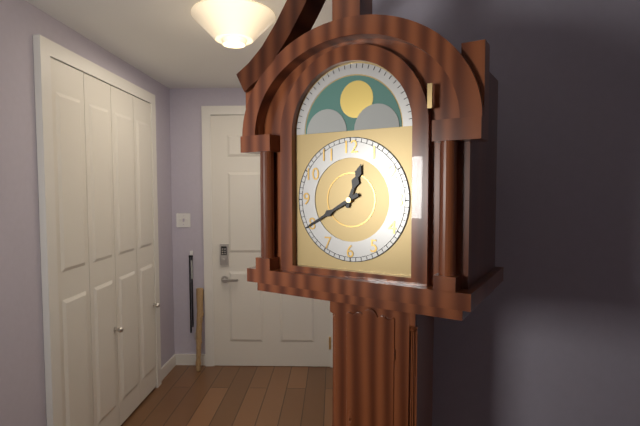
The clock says 12 h 40 min
